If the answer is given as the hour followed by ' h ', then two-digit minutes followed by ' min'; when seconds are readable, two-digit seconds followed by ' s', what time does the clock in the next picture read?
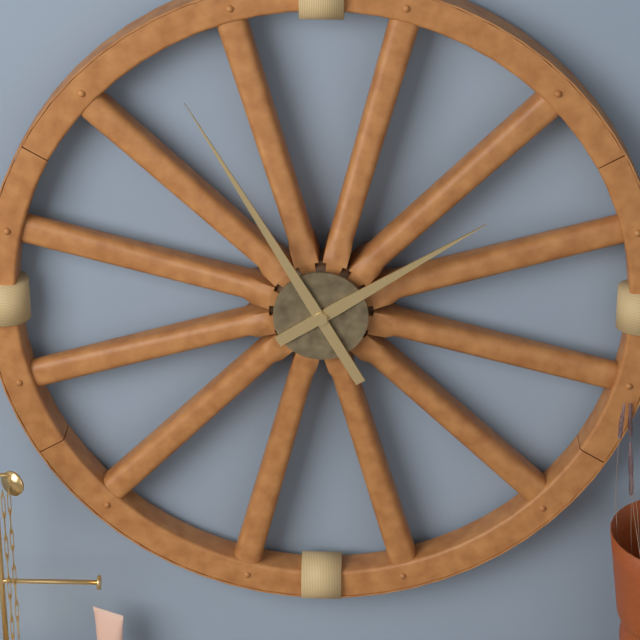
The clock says 1 h 55 min
